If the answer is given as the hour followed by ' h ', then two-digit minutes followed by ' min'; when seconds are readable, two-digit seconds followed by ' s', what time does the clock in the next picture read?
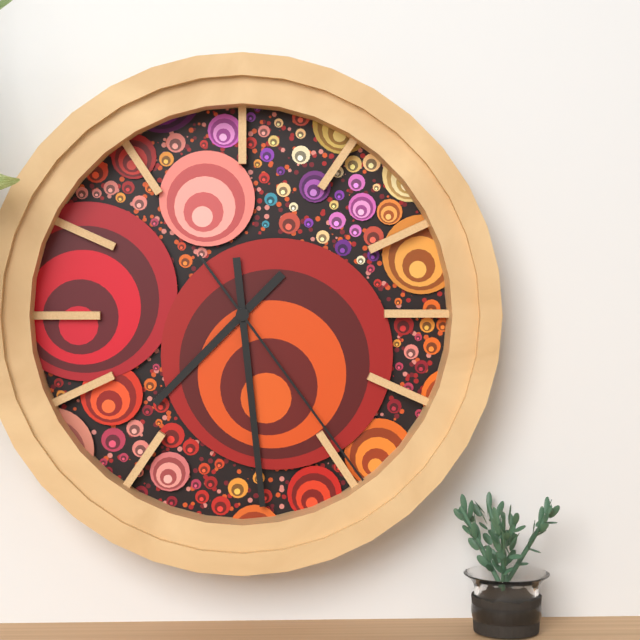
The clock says 7 h 29 min 24 s
